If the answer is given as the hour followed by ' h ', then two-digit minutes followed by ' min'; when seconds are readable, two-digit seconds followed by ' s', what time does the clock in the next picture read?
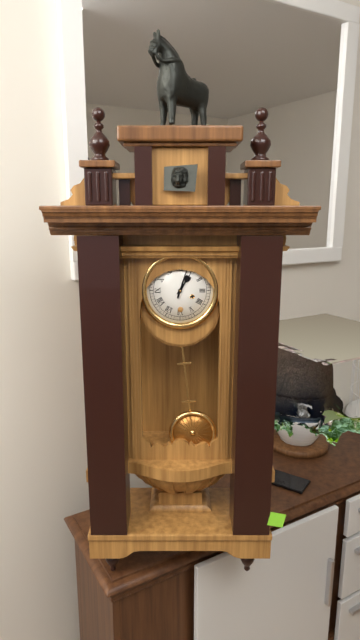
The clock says 1 h 03 min
